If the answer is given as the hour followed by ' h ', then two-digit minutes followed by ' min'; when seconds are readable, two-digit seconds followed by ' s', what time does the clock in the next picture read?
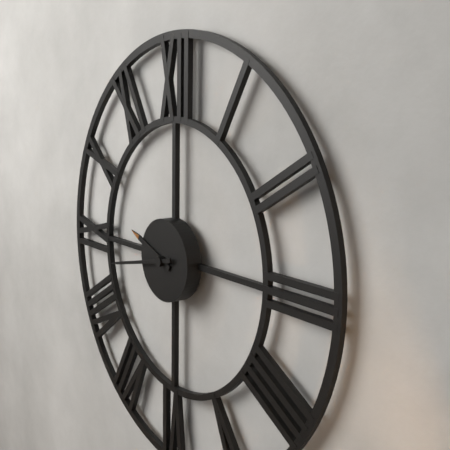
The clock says 9 h 43 min
